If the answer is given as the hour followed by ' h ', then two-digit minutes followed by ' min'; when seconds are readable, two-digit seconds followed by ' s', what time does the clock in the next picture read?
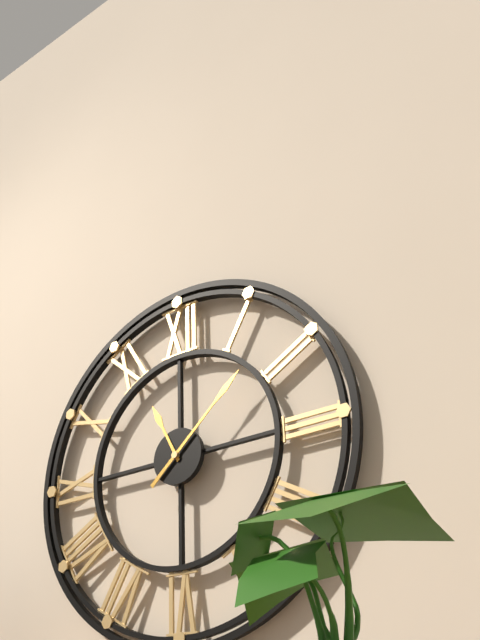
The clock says 11 h 08 min
